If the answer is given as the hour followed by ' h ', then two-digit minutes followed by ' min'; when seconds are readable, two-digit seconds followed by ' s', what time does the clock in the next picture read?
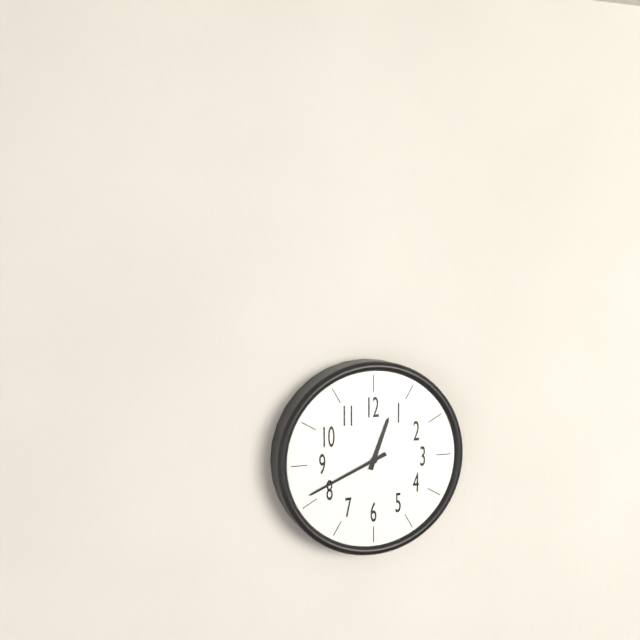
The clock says 12 h 41 min
